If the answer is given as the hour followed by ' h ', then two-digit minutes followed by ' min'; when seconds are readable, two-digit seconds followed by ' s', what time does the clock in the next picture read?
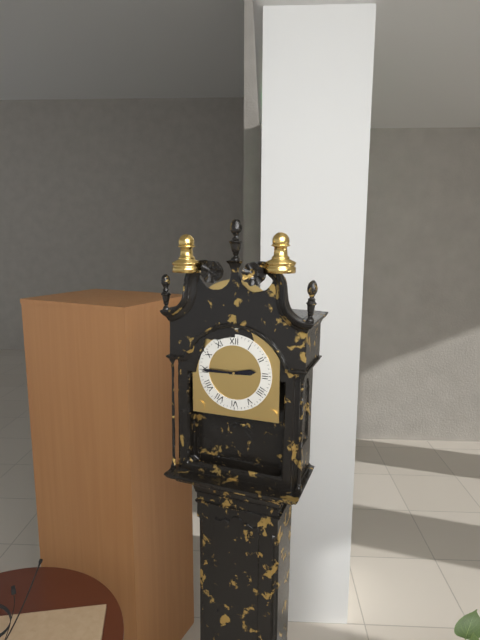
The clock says 2 h 45 min
